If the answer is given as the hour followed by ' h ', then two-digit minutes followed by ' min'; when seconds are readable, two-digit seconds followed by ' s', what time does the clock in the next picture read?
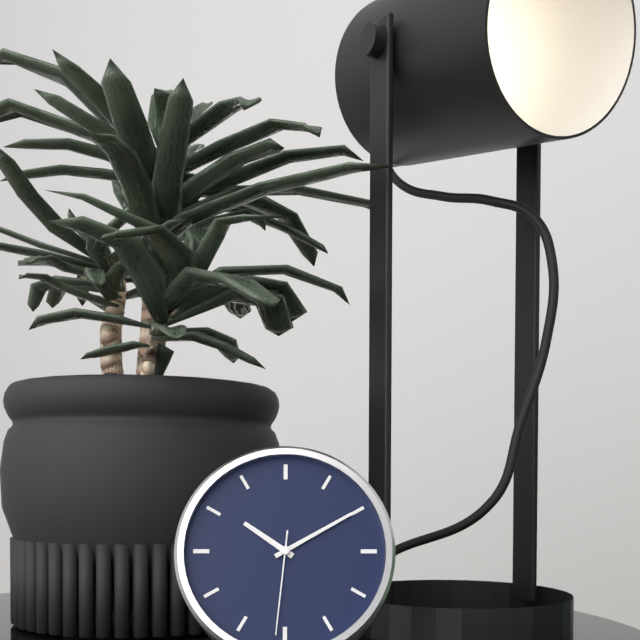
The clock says 10 h 10 min 31 s
